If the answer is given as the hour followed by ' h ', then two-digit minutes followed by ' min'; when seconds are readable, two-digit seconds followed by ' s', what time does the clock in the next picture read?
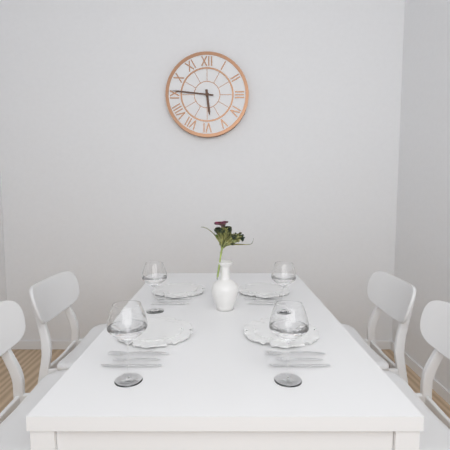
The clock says 5 h 46 min
